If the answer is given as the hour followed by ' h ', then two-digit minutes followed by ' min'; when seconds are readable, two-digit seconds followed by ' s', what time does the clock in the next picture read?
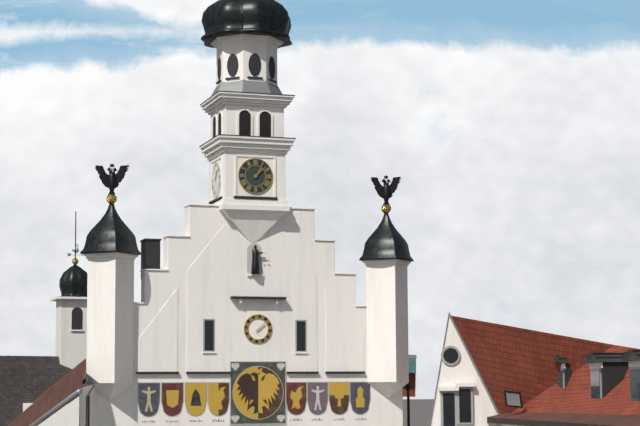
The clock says 1 h 08 min
